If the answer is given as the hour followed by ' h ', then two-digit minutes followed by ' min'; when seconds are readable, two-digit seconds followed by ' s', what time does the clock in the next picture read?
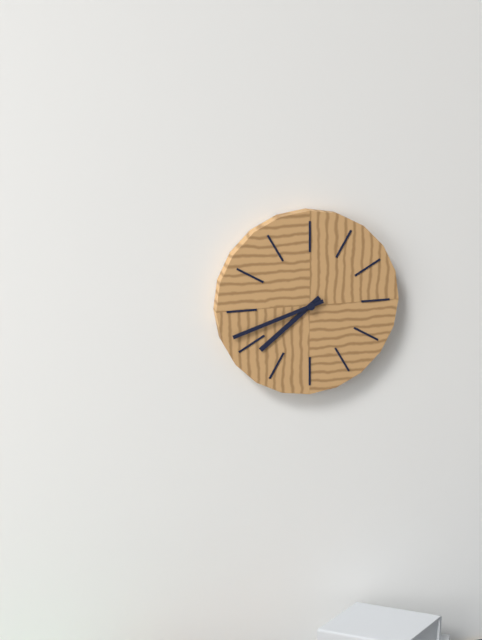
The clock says 7 h 42 min
